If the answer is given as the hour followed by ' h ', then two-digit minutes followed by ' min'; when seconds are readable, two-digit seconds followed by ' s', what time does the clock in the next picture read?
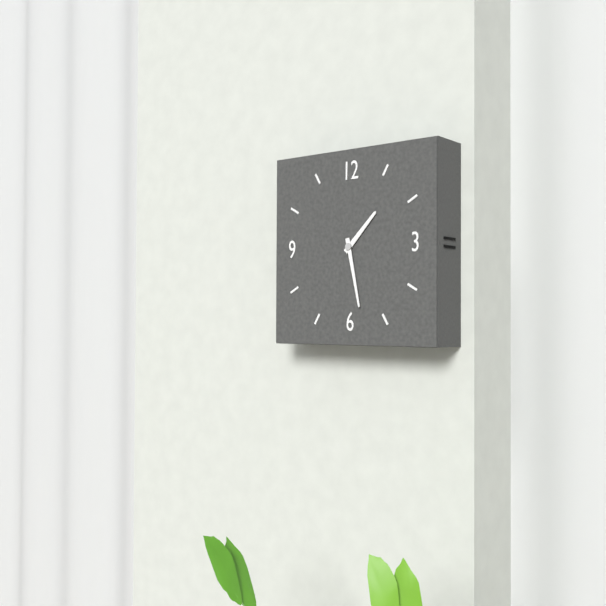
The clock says 1 h 28 min
